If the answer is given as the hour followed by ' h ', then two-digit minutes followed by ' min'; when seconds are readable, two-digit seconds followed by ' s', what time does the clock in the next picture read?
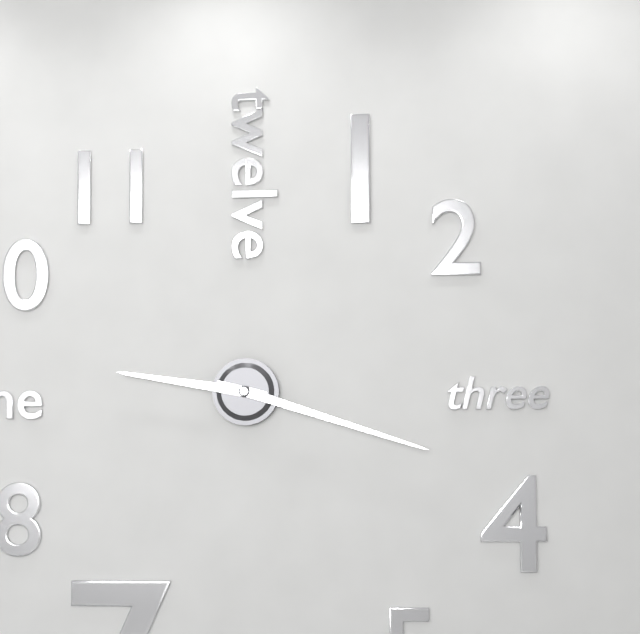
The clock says 9 h 18 min
